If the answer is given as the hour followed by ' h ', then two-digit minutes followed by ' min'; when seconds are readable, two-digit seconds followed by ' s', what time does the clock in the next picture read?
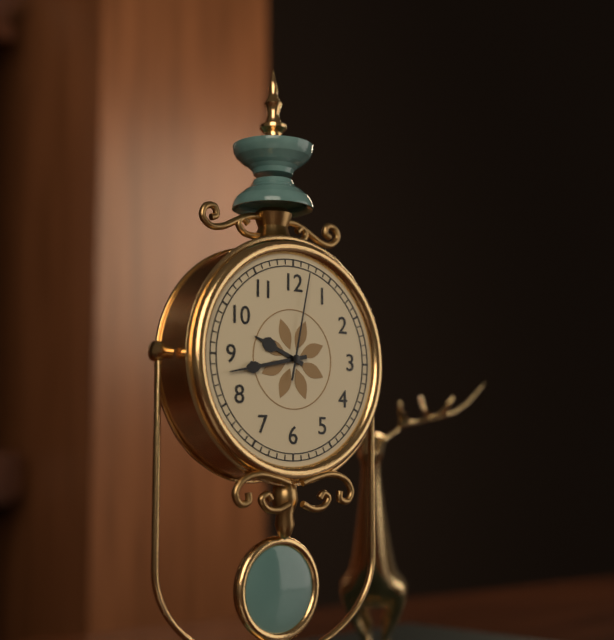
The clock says 9 h 43 min 02 s
